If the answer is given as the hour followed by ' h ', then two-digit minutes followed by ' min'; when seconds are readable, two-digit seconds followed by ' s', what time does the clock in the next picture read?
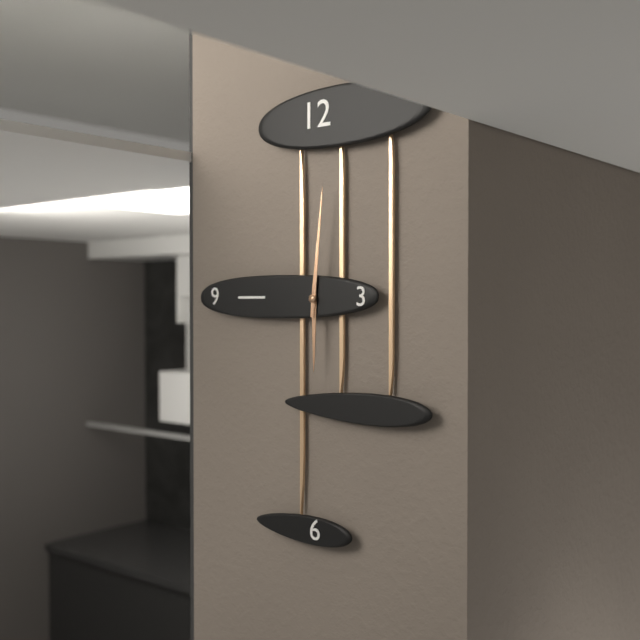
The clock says 6 h 01 min
